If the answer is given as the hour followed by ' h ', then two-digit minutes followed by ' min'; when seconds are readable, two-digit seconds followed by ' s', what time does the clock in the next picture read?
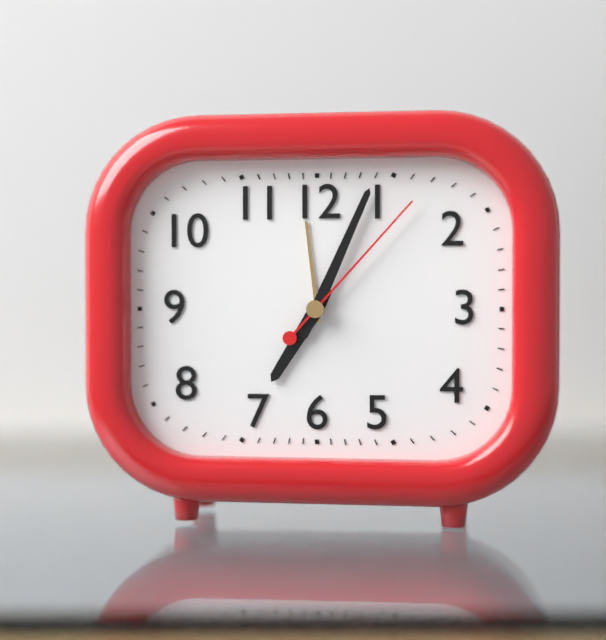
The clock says 7 h 04 min 07 s
